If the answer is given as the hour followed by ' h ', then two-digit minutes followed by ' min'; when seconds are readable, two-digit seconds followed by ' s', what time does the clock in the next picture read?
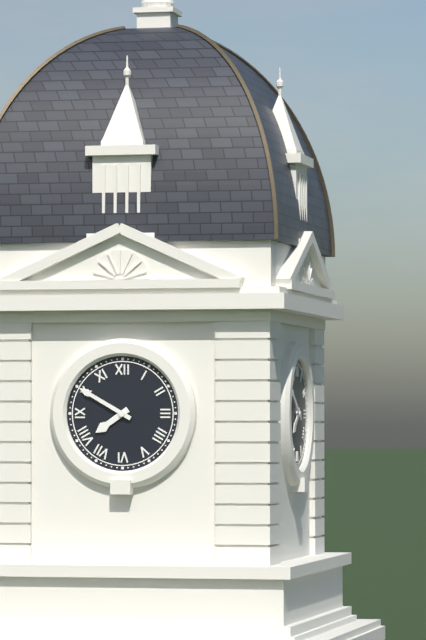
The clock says 7 h 50 min
